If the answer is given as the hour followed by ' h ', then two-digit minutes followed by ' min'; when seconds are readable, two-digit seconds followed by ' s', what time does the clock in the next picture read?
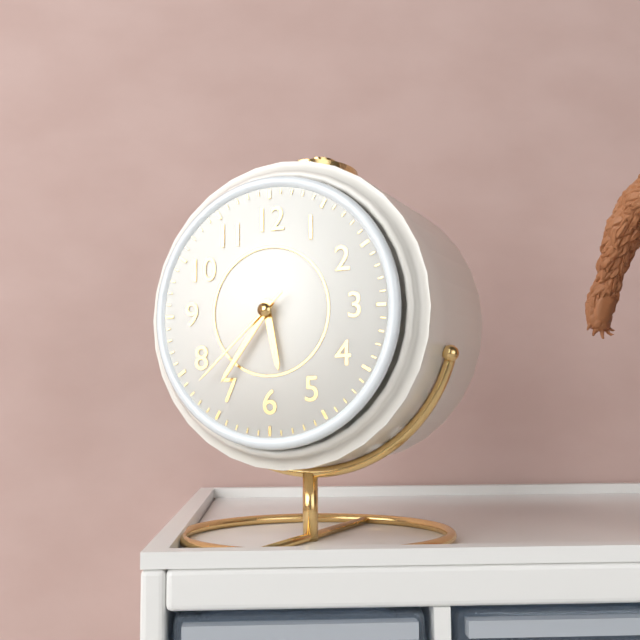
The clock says 5 h 36 min 38 s
